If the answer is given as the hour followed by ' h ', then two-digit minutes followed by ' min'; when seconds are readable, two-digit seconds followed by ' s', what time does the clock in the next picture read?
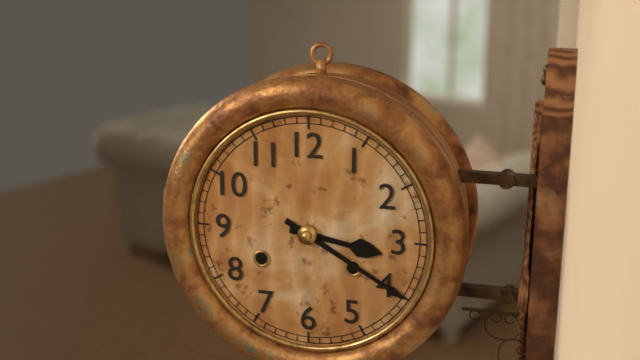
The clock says 3 h 20 min
